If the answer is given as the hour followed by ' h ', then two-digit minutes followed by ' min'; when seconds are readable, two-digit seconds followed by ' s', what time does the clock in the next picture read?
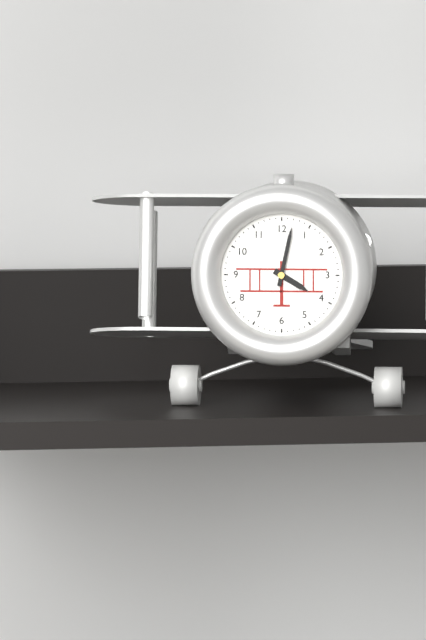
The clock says 4 h 02 min
